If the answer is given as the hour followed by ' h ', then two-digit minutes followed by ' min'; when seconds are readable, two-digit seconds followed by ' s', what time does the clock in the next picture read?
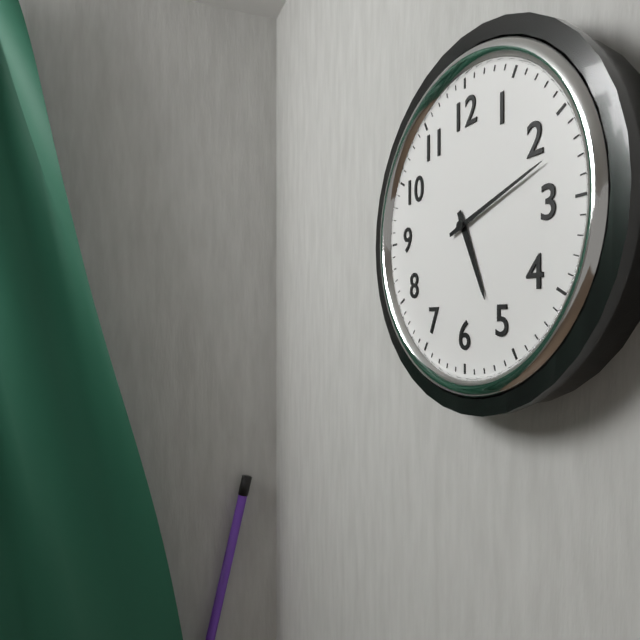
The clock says 5 h 12 min
